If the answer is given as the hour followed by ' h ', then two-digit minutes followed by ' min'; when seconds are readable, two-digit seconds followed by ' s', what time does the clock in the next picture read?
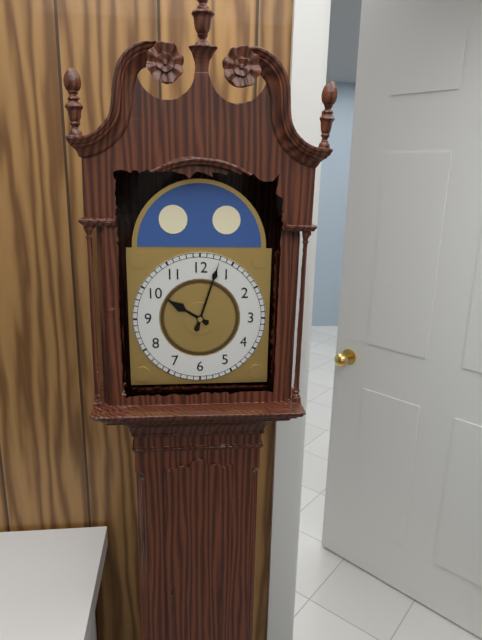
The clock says 10 h 03 min
